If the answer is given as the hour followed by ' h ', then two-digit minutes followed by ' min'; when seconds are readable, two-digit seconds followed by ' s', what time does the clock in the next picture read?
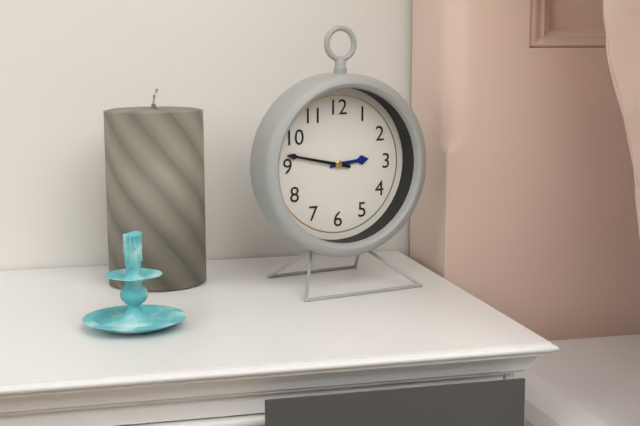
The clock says 2 h 47 min
